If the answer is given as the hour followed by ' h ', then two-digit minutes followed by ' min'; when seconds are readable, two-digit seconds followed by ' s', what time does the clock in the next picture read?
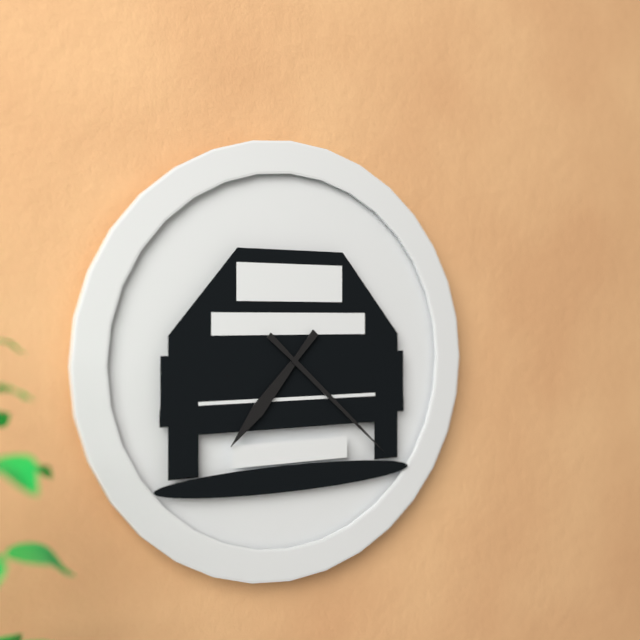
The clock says 7 h 22 min
